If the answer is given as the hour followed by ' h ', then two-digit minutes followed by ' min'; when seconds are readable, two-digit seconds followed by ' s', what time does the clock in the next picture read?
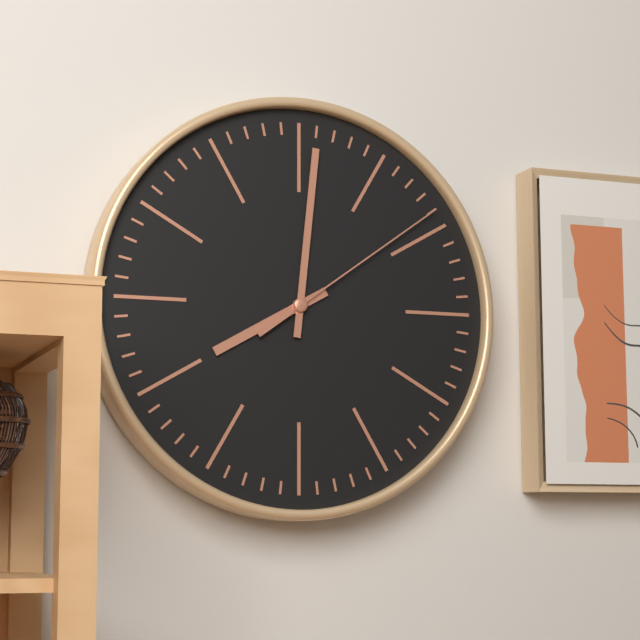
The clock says 8 h 01 min 09 s
